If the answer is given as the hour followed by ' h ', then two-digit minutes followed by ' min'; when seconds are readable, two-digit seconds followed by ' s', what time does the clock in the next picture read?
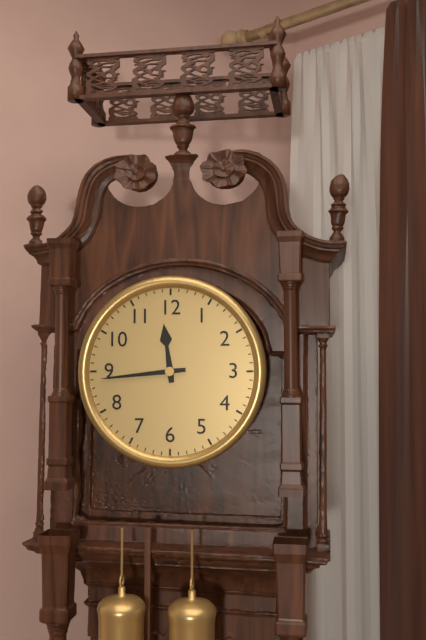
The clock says 11 h 44 min
